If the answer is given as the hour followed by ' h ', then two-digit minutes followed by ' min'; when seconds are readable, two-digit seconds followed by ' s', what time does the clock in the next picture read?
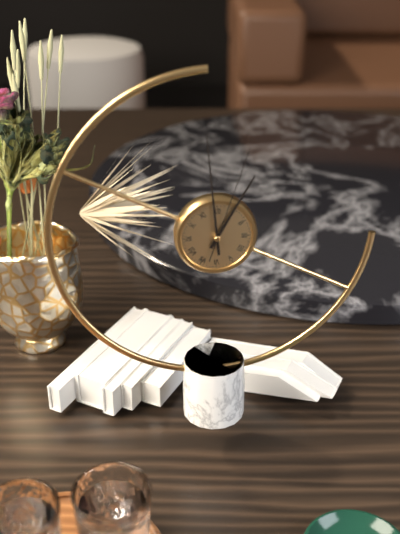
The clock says 12 h 59 min 03 s
